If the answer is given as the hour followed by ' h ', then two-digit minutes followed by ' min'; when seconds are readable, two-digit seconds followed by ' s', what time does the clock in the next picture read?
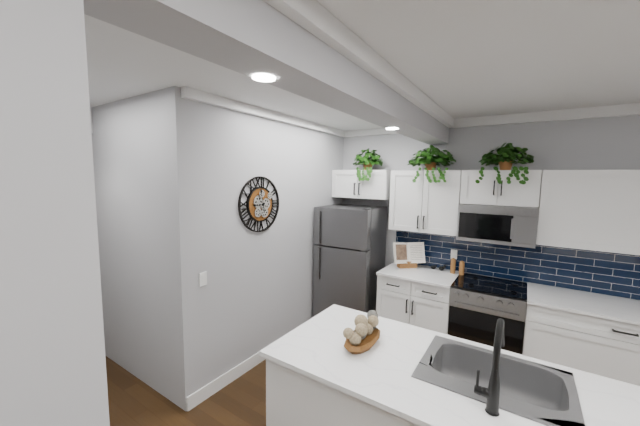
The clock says 8 h 58 min
